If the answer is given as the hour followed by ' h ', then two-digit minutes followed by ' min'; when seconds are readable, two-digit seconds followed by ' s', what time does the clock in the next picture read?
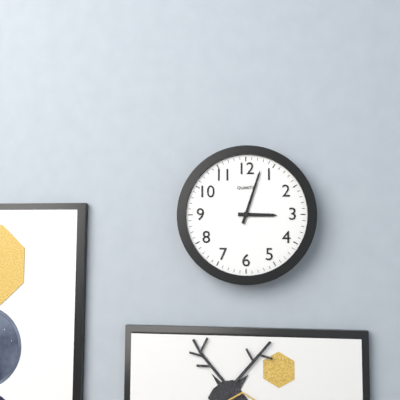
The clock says 3 h 03 min
